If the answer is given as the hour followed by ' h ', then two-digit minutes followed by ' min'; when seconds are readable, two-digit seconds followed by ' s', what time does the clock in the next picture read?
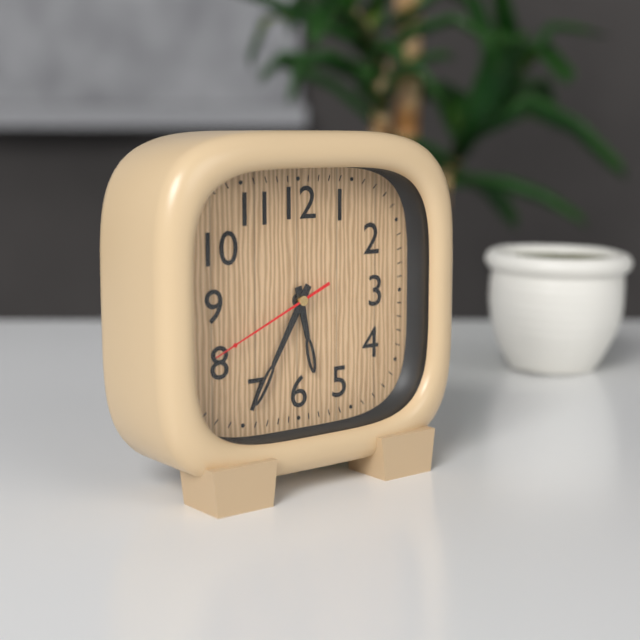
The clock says 5 h 35 min 41 s
